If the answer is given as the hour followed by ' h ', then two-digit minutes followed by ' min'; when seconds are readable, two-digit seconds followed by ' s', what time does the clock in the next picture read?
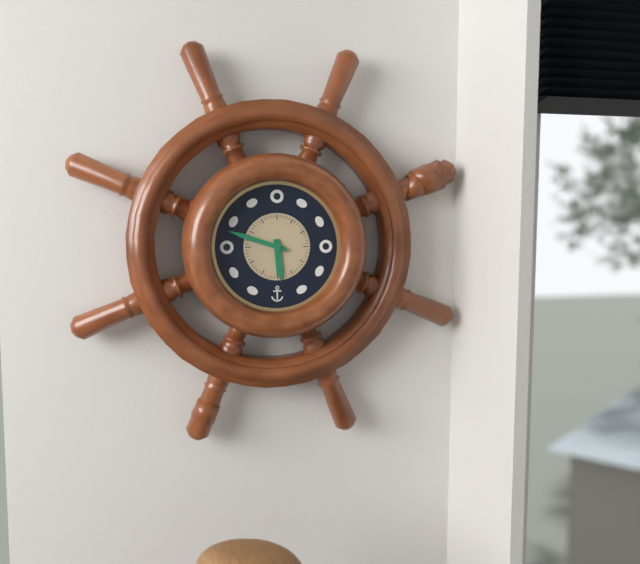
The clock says 5 h 48 min
